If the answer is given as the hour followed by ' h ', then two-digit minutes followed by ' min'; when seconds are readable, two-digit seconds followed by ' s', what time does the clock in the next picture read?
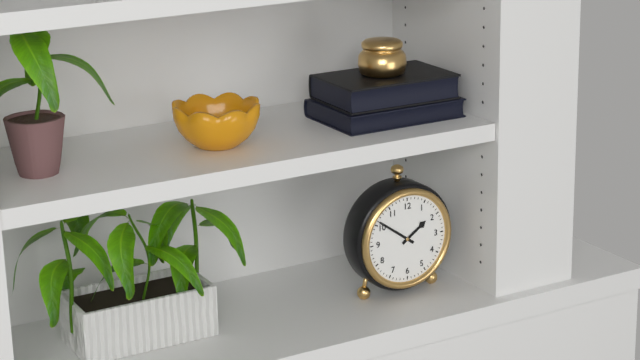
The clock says 1 h 51 min
